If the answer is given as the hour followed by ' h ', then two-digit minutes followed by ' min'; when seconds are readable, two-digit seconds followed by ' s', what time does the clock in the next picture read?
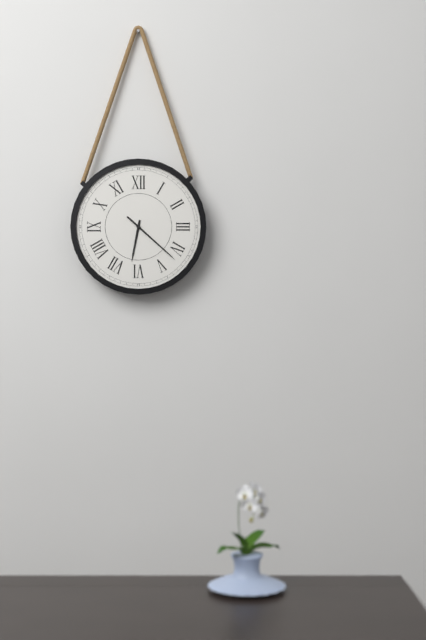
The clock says 6 h 22 min
